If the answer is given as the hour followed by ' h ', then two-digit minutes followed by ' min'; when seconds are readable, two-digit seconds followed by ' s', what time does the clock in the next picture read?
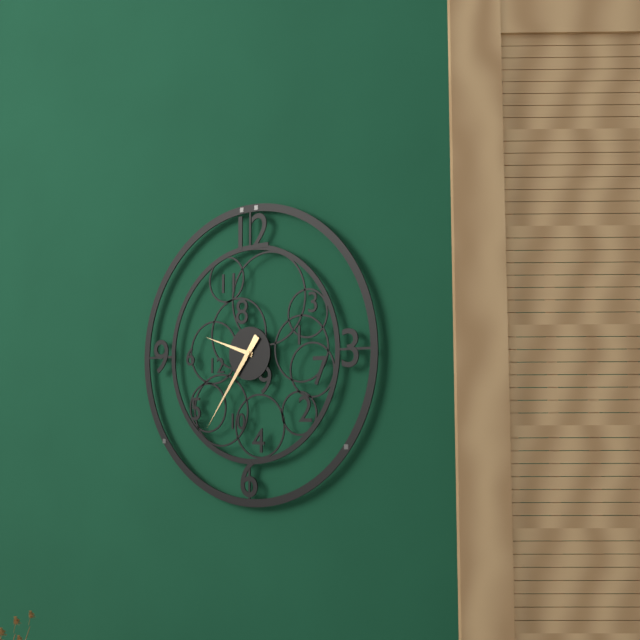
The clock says 9 h 36 min
